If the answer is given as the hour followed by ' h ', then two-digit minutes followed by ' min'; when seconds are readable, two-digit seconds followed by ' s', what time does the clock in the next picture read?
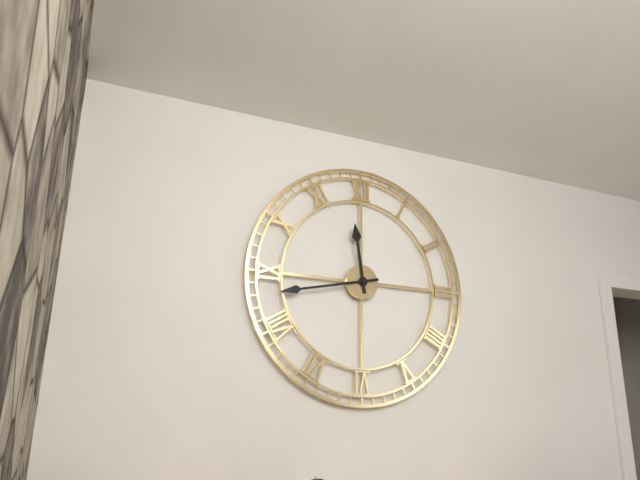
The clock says 11 h 43 min
